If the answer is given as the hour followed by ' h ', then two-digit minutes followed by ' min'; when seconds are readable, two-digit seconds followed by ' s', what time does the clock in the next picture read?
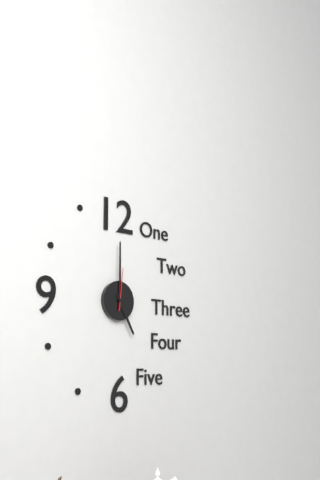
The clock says 5 h 00 min
